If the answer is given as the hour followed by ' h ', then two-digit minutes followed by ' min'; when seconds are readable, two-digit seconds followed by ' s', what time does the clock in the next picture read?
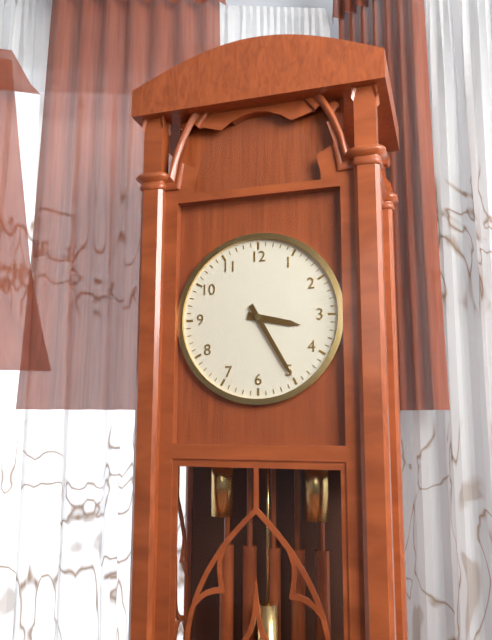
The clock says 3 h 25 min
